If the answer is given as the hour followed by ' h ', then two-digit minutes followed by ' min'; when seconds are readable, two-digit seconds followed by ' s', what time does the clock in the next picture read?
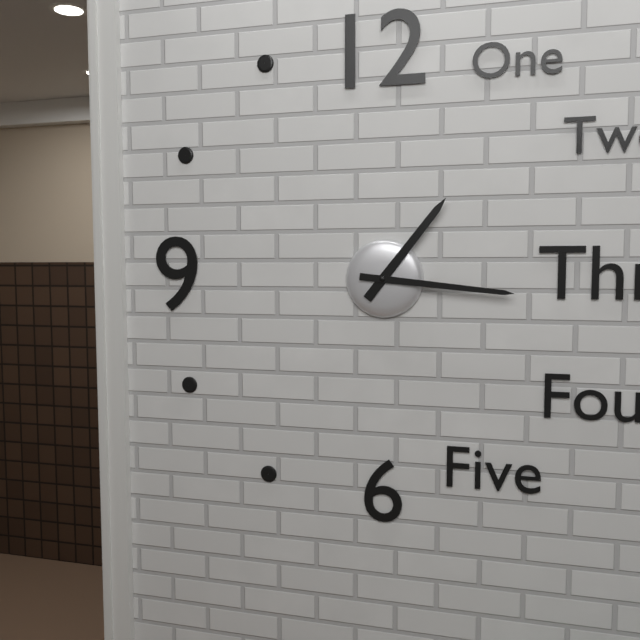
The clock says 1 h 16 min
